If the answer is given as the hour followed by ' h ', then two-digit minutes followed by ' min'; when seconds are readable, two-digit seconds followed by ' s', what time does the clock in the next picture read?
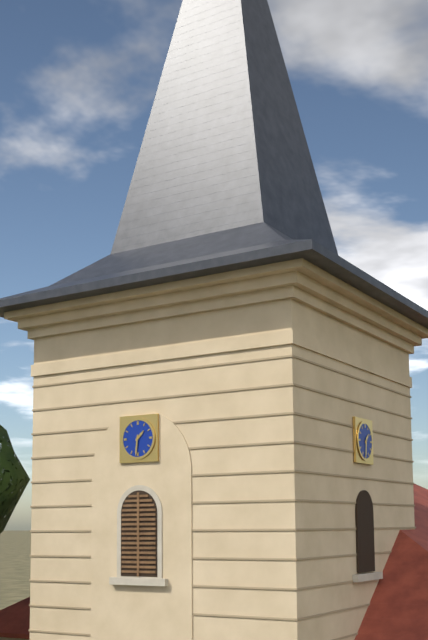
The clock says 1 h 31 min
